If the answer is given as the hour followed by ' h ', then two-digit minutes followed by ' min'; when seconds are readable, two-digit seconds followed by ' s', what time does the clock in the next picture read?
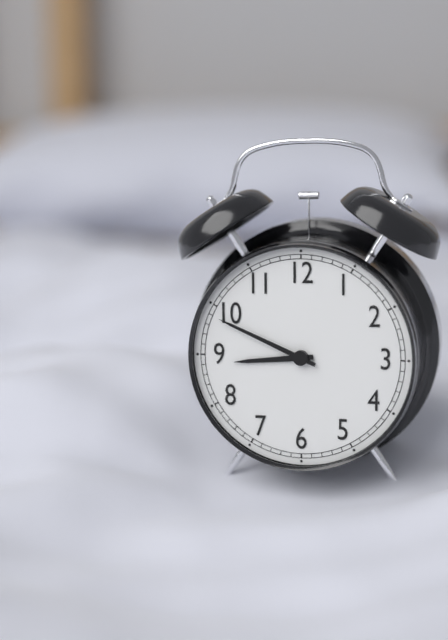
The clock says 8 h 49 min
